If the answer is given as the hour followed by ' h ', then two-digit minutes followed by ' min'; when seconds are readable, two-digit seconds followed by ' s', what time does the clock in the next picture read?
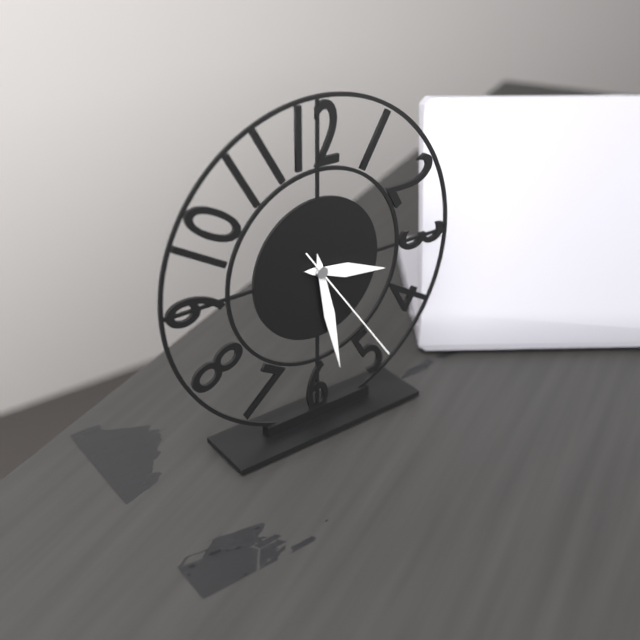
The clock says 3 h 28 min 24 s
